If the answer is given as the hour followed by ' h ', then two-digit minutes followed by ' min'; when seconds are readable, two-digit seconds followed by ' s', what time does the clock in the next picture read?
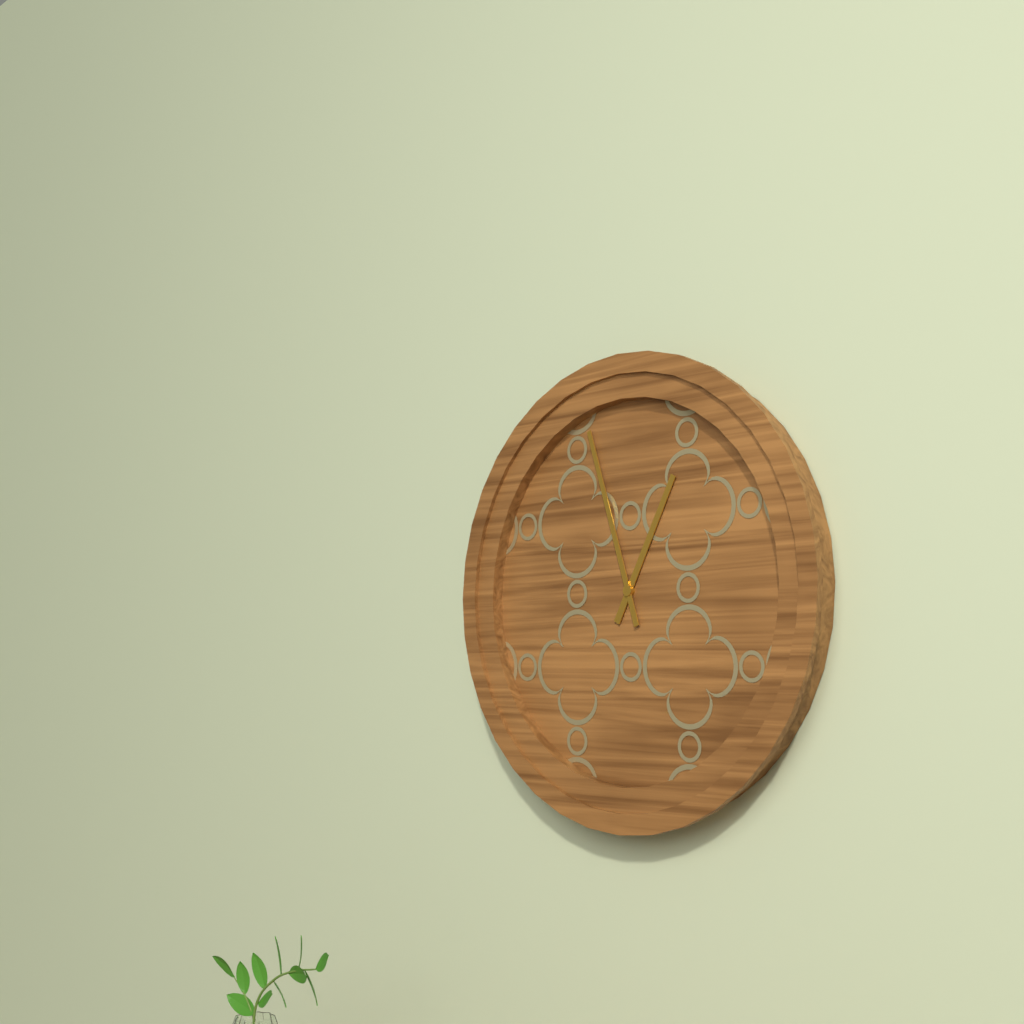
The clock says 12 h 57 min
